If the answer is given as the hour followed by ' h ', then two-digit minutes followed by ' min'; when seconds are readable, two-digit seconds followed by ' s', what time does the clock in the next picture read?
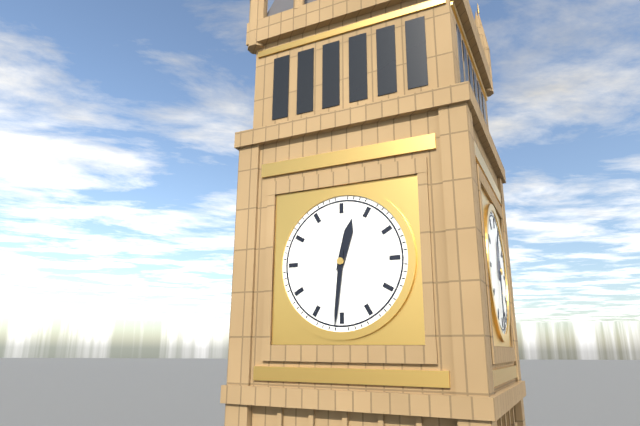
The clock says 12 h 31 min
